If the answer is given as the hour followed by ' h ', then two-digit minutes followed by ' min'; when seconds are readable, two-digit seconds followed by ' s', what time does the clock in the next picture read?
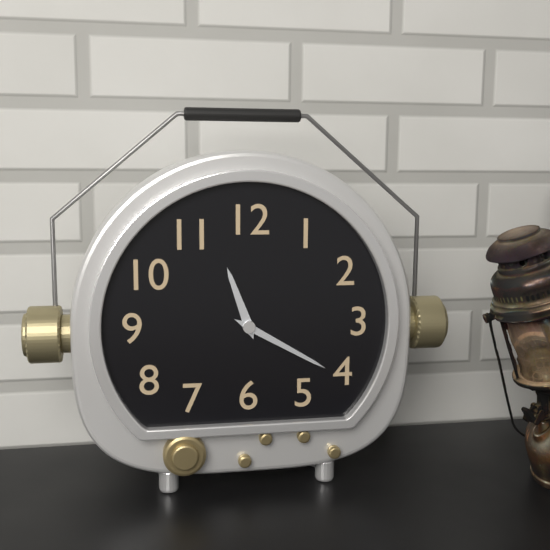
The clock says 11 h 20 min
